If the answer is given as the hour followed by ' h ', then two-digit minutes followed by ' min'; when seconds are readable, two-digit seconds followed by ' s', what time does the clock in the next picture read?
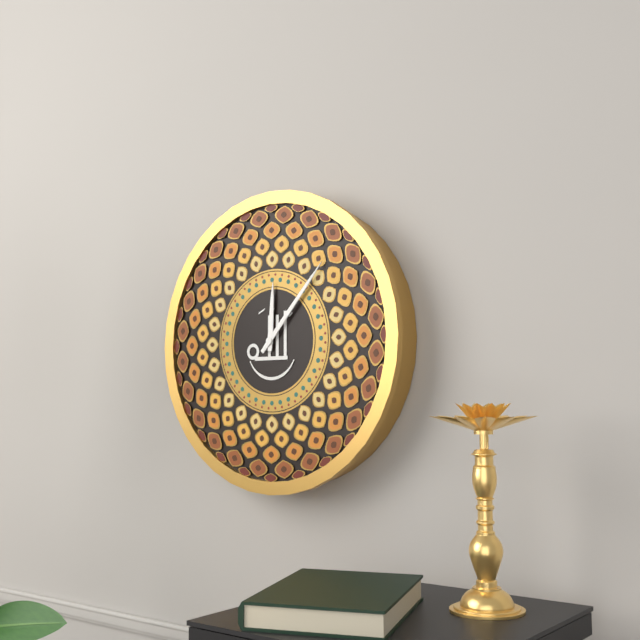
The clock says 12 h 07 min
